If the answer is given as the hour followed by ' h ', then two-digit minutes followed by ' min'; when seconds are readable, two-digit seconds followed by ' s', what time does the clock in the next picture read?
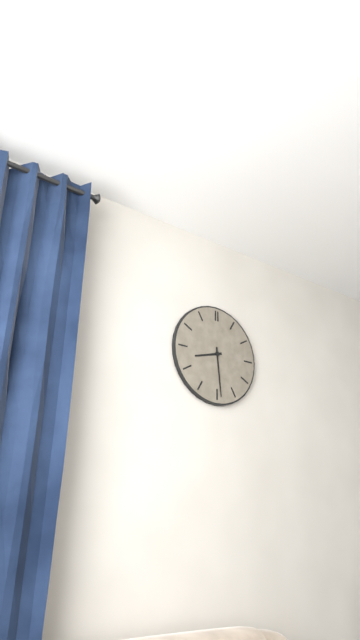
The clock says 8 h 29 min
